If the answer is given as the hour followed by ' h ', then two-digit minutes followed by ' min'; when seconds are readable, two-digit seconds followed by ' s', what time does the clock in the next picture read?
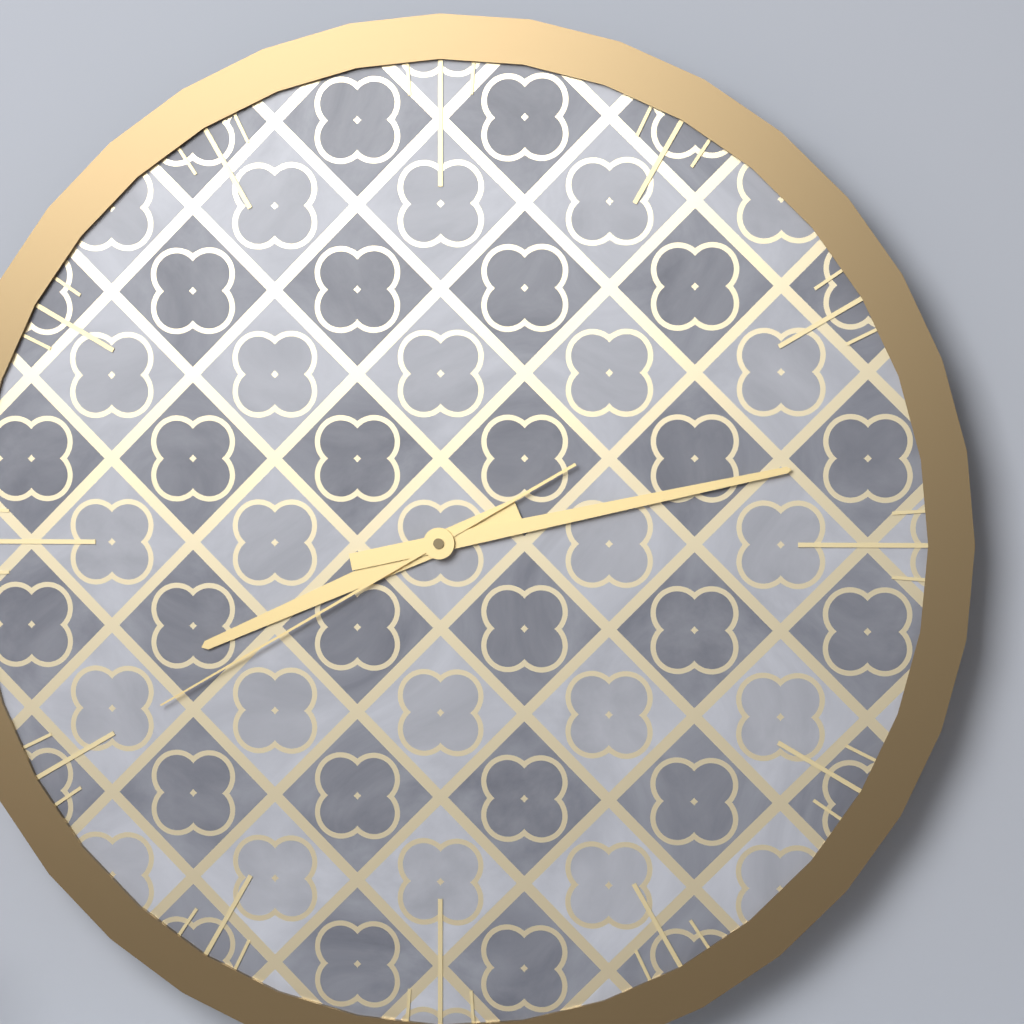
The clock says 8 h 13 min 40 s
